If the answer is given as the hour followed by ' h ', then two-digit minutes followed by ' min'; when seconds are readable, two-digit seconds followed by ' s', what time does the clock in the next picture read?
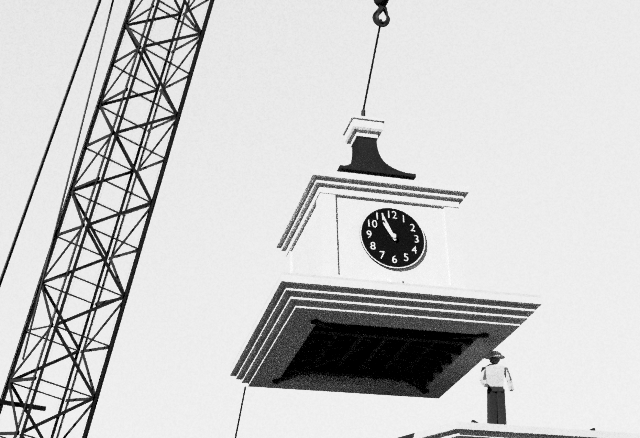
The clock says 10 h 56 min
